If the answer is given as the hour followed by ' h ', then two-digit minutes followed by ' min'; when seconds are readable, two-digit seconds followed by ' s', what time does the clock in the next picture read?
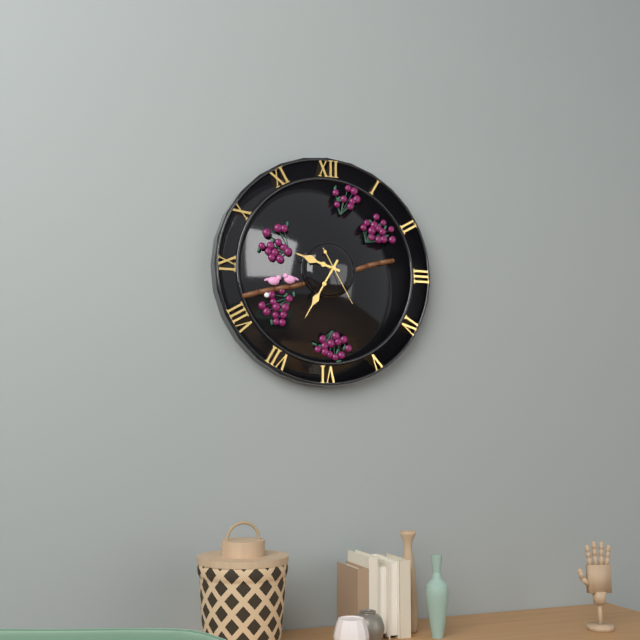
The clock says 9 h 35 min 25 s
